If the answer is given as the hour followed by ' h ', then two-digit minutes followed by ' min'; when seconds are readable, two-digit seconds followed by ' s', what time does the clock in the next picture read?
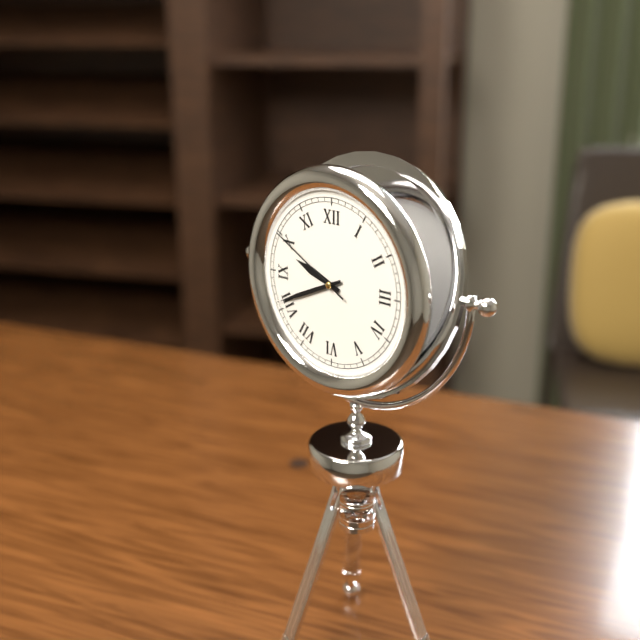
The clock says 9 h 41 min 50 s
